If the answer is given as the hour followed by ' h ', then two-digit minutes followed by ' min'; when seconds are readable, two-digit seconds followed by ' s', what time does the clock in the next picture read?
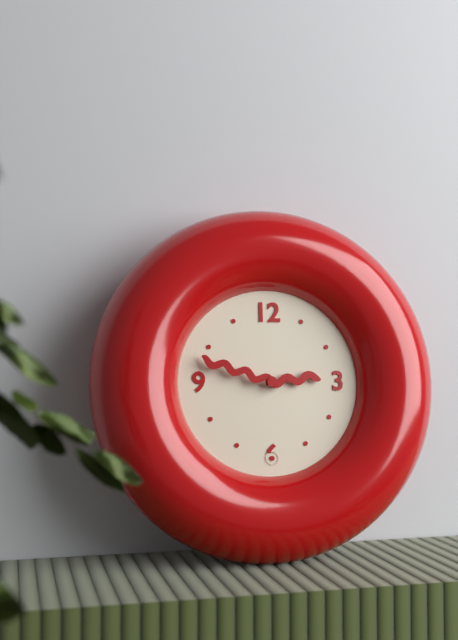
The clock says 2 h 48 min
